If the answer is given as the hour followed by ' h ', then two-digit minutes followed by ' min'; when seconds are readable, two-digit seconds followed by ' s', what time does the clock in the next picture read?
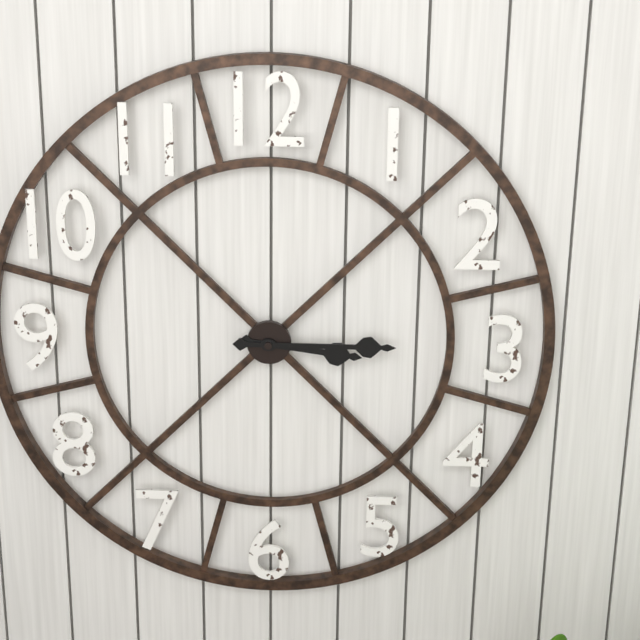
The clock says 3 h 15 min
